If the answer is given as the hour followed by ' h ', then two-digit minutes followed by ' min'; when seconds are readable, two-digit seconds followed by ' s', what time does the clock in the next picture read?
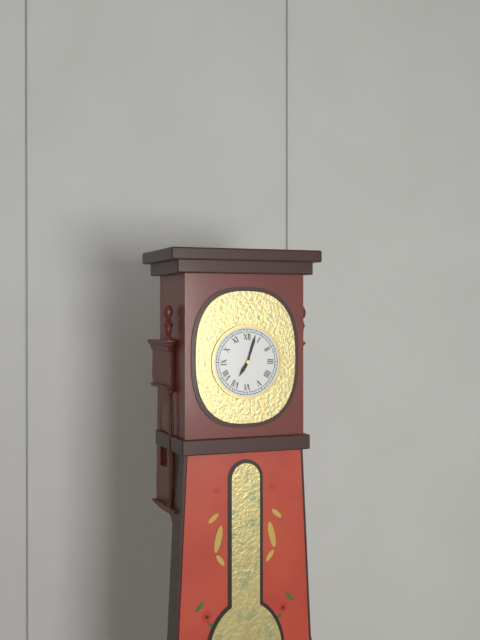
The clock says 7 h 03 min
